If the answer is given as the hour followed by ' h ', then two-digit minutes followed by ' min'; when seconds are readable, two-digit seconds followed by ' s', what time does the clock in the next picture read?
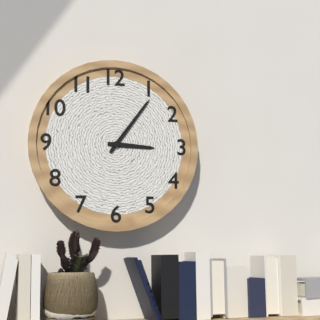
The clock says 3 h 06 min
